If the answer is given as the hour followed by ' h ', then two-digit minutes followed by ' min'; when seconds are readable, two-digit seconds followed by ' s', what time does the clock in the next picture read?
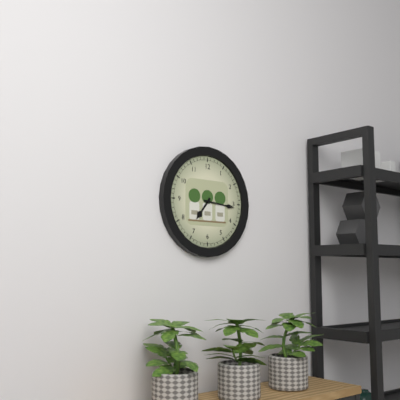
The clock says 7 h 16 min
